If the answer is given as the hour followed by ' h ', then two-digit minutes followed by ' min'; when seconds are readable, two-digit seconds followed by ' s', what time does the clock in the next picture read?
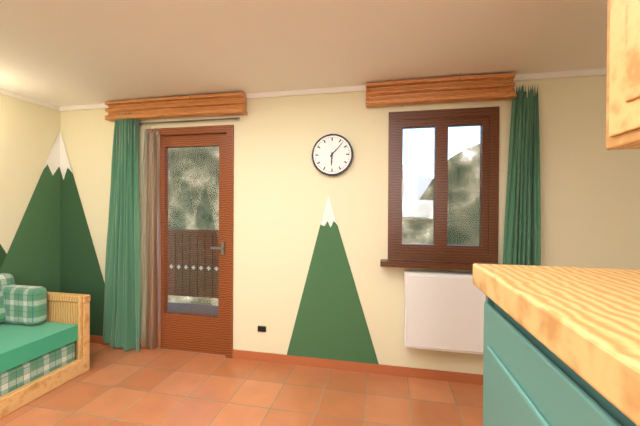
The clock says 6 h 07 min
